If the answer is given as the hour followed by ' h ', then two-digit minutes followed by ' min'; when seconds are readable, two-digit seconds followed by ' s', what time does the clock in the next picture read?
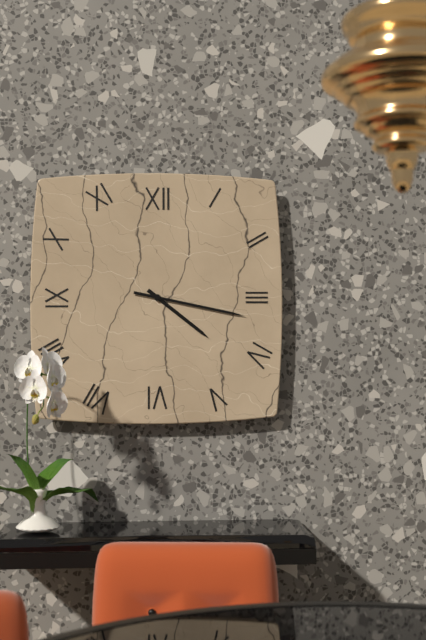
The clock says 4 h 17 min
